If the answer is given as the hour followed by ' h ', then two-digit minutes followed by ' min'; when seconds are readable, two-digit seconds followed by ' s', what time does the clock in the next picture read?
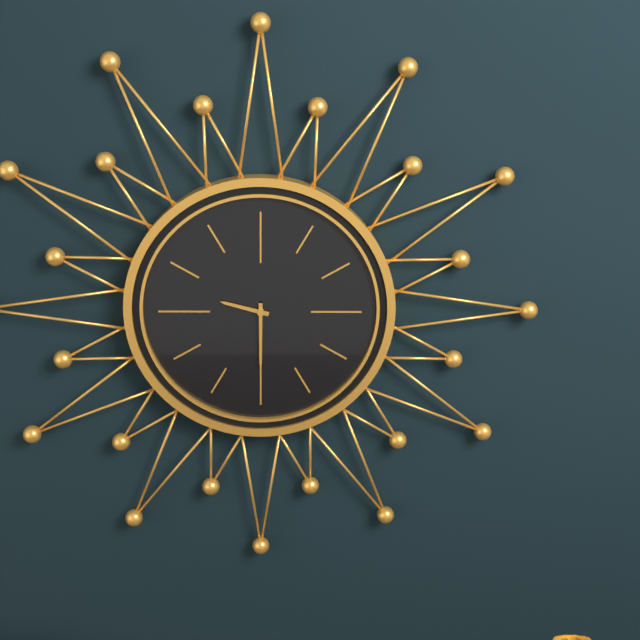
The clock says 9 h 30 min
